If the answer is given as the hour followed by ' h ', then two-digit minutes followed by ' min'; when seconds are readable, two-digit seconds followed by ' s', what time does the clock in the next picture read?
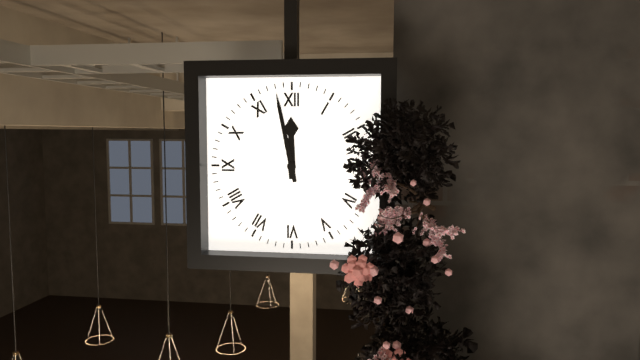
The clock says 11 h 58 min
